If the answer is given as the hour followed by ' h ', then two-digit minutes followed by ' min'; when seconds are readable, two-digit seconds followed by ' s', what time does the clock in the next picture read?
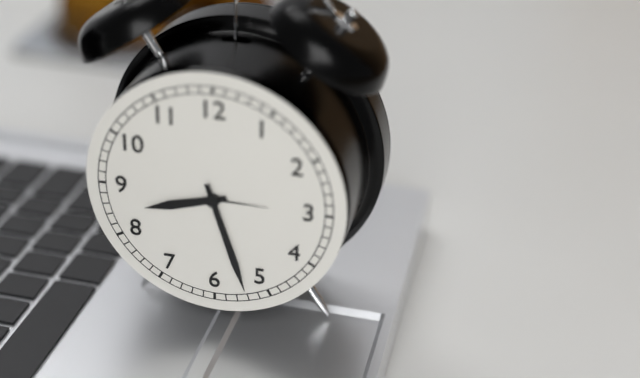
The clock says 8 h 27 min
